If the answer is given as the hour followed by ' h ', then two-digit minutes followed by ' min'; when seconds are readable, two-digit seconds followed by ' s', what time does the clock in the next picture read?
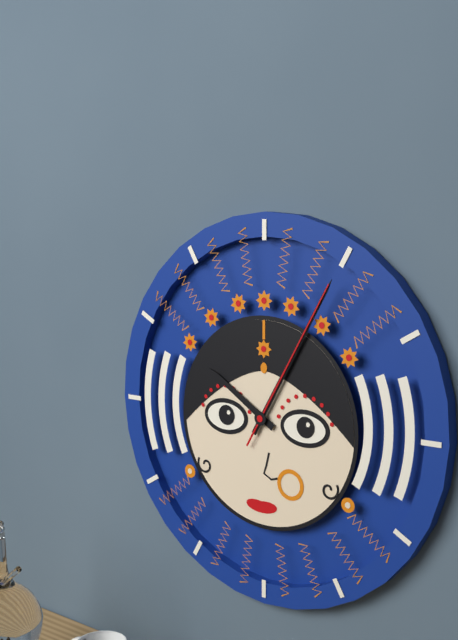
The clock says 10 h 05 min 05 s
